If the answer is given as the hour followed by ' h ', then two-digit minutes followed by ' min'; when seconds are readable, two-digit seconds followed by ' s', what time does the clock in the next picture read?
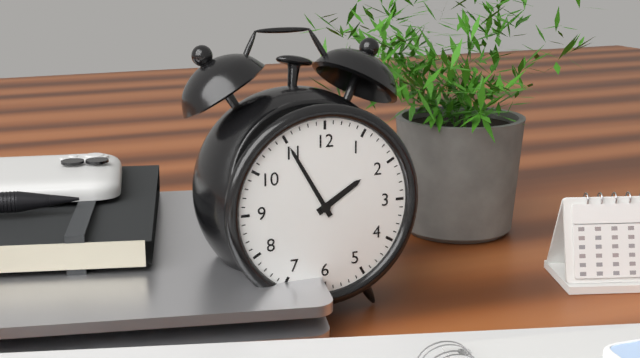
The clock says 1 h 55 min
